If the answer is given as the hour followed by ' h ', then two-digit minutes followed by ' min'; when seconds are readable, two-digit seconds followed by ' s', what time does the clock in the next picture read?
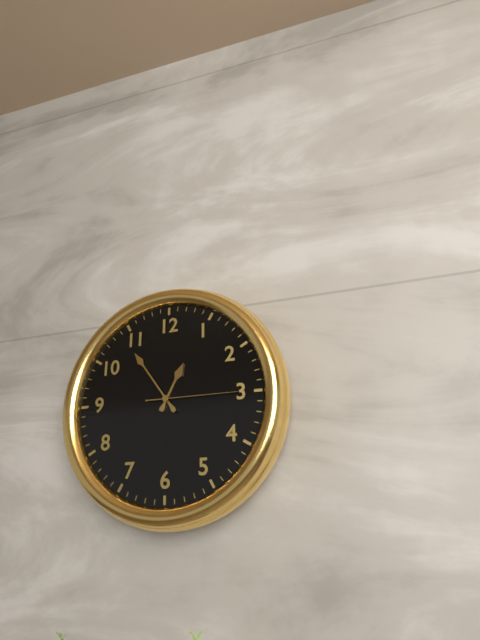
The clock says 12 h 54 min 15 s
